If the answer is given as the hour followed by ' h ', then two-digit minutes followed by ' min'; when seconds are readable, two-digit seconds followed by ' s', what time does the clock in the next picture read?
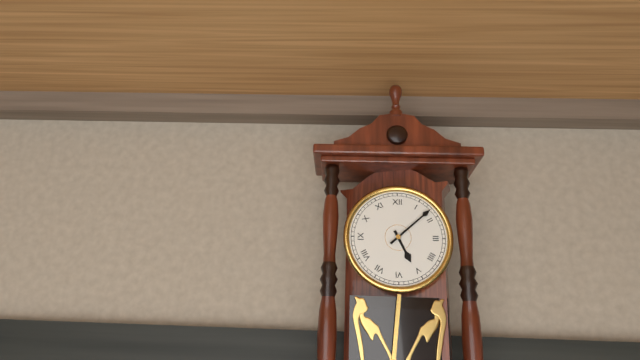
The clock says 5 h 08 min
